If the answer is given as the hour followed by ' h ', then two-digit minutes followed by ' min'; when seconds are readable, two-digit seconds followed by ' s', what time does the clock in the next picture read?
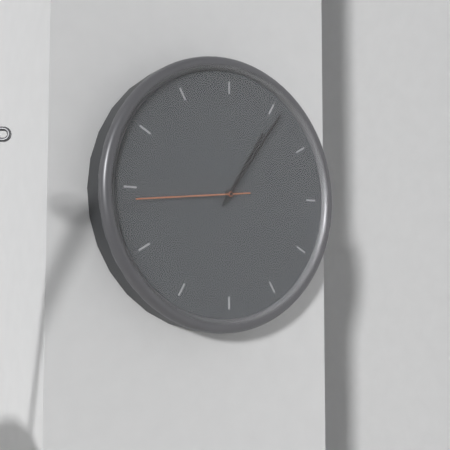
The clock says 1 h 06 min 44 s
